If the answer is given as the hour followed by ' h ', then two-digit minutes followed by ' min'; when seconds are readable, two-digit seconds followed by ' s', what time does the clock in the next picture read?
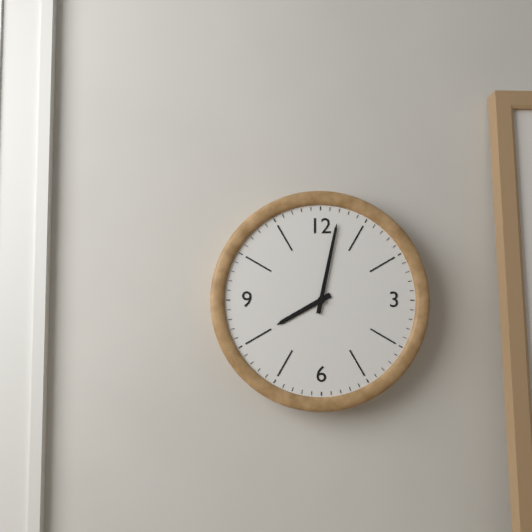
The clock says 8 h 02 min
